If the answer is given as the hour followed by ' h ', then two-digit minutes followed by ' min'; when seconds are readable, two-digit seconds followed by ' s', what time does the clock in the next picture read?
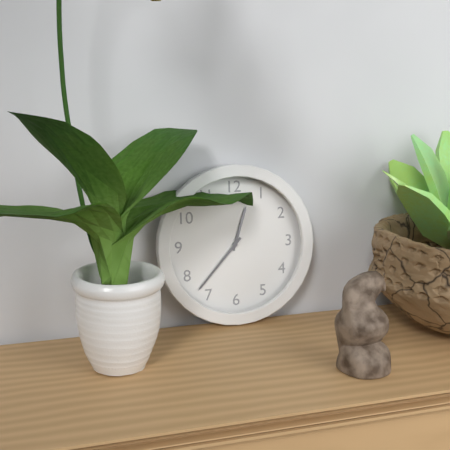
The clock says 12 h 37 min
